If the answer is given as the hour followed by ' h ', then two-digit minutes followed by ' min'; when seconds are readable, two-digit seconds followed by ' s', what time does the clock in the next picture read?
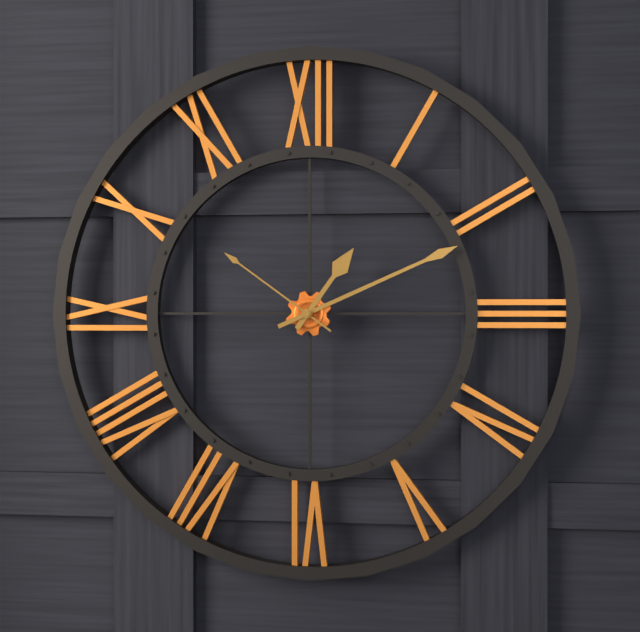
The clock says 1 h 11 min 51 s
